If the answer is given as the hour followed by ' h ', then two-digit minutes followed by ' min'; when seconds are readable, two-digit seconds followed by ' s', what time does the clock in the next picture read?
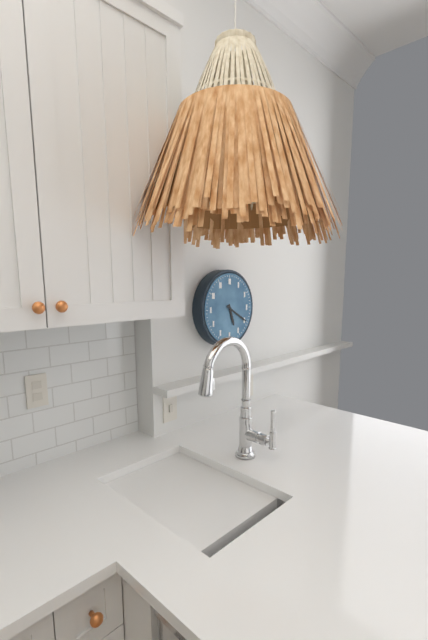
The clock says 5 h 20 min
